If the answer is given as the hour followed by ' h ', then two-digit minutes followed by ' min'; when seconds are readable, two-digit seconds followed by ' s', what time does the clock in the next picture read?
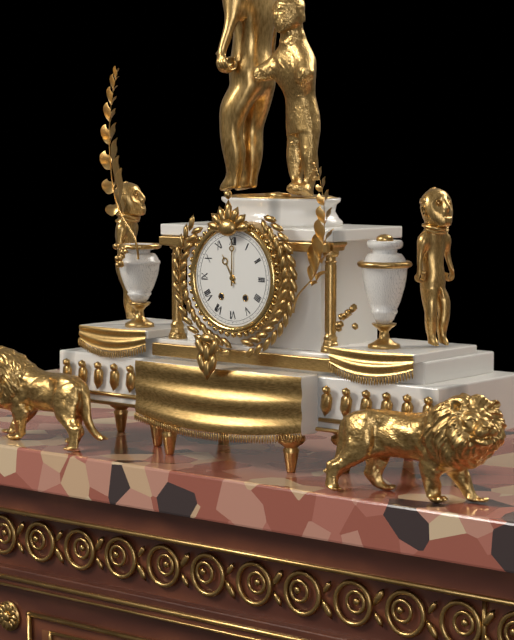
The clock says 11 h 00 min
